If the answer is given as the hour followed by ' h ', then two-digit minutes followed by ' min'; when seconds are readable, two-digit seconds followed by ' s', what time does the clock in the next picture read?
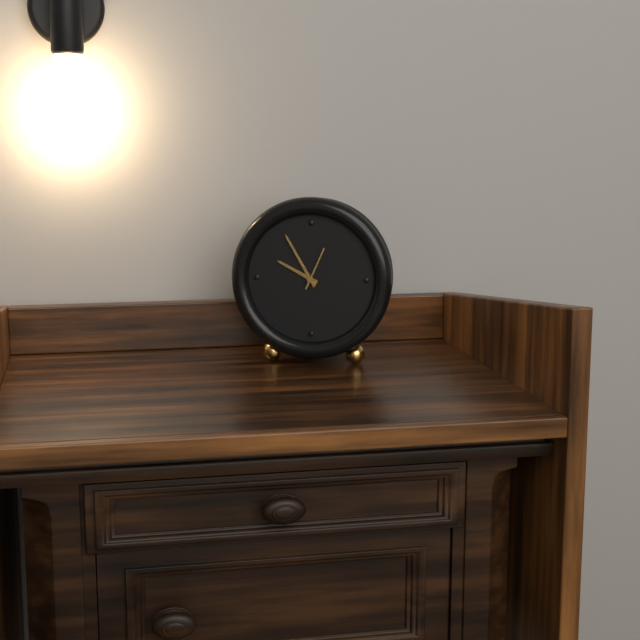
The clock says 9 h 55 min
